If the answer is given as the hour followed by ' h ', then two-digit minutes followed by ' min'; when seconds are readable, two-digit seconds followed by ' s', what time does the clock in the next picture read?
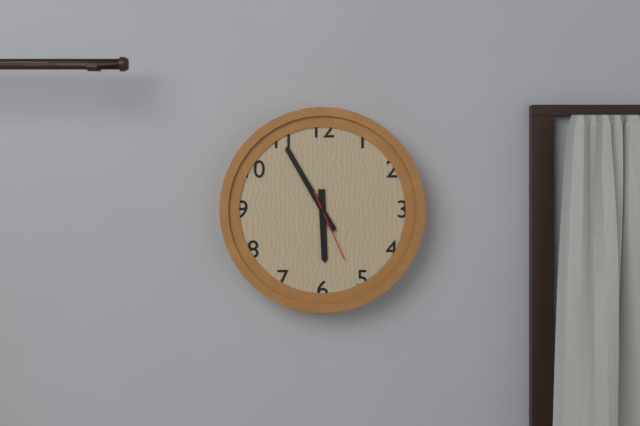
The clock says 5 h 55 min 26 s
